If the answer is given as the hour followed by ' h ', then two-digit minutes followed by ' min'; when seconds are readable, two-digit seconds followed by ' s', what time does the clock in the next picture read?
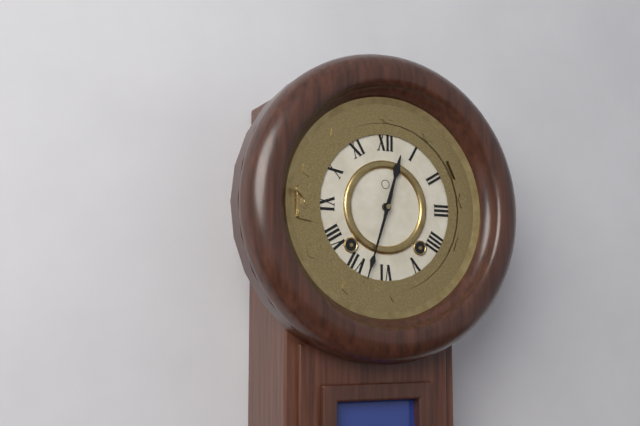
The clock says 12 h 33 min
